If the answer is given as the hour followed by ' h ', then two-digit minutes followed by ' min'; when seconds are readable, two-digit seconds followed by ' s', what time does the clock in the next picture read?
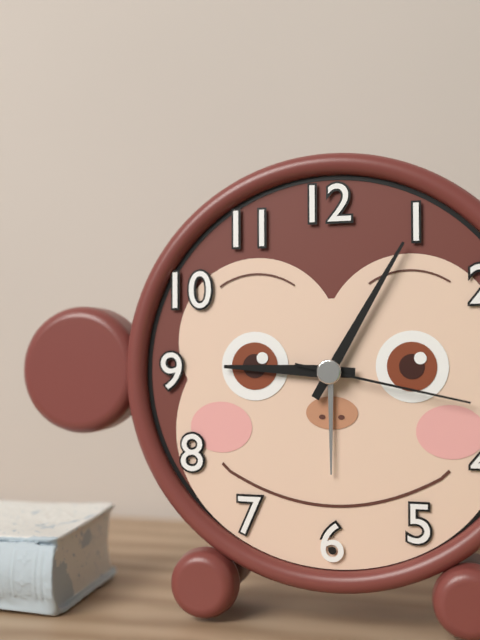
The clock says 9 h 05 min 17 s
